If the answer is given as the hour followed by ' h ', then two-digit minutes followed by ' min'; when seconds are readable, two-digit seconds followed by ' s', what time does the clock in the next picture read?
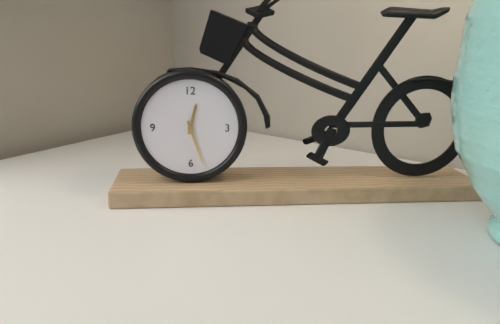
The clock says 12 h 27 min
